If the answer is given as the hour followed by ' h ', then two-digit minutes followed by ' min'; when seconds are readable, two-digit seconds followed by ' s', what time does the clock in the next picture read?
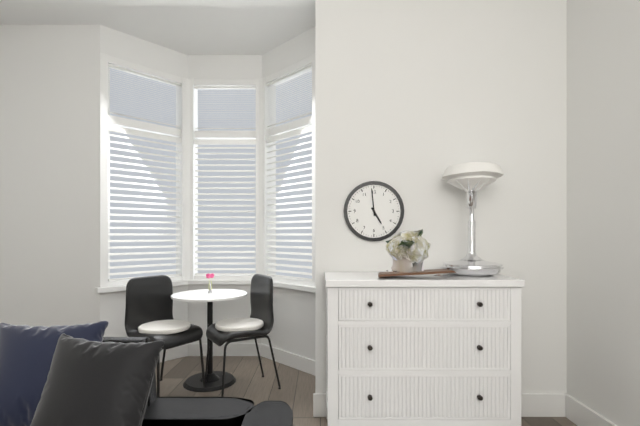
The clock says 4 h 59 min
